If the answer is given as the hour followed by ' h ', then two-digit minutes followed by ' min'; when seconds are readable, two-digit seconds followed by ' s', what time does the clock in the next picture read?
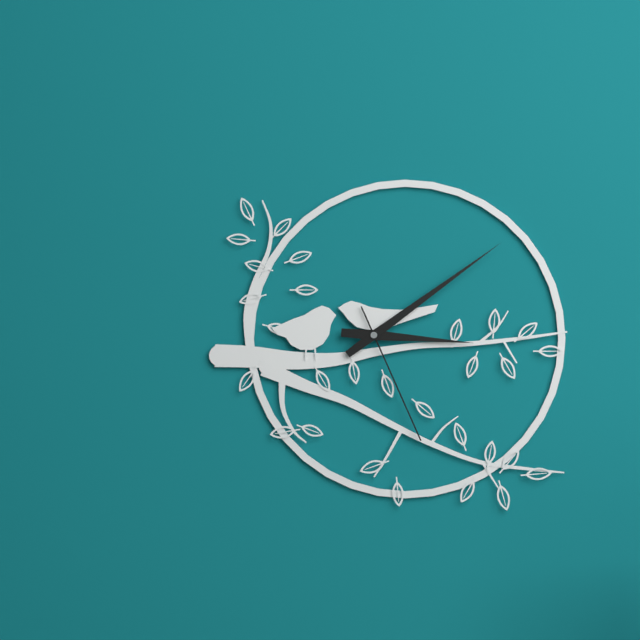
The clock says 3 h 09 min 26 s
